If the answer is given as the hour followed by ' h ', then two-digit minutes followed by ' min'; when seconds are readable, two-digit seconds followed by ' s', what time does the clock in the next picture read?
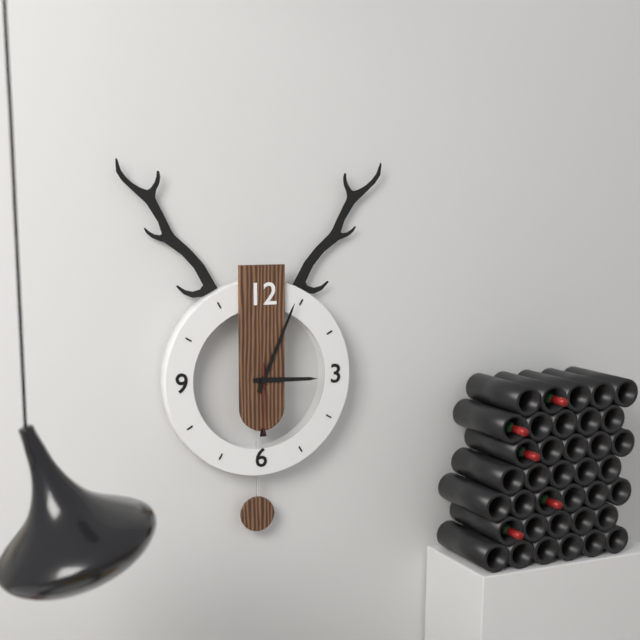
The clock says 3 h 04 min 30 s
